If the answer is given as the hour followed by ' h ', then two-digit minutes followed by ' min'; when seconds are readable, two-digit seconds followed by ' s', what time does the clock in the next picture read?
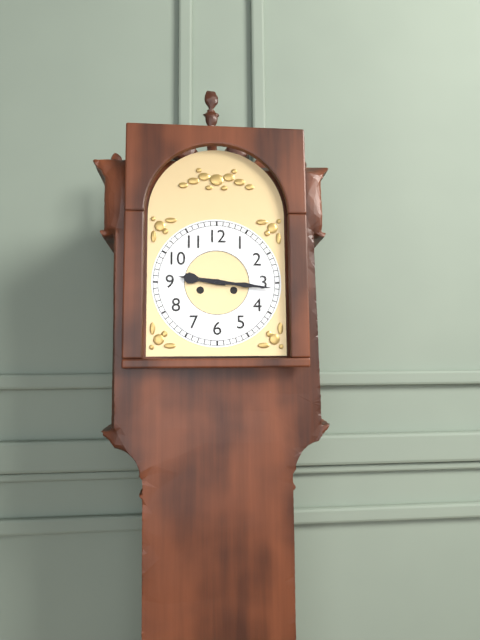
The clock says 9 h 16 min
